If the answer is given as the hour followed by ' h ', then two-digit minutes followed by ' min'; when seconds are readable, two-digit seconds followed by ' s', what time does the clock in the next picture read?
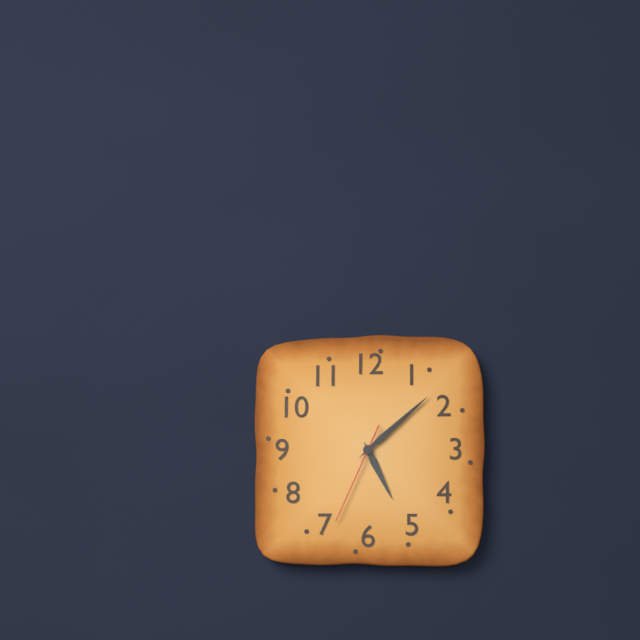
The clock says 5 h 08 min 34 s
